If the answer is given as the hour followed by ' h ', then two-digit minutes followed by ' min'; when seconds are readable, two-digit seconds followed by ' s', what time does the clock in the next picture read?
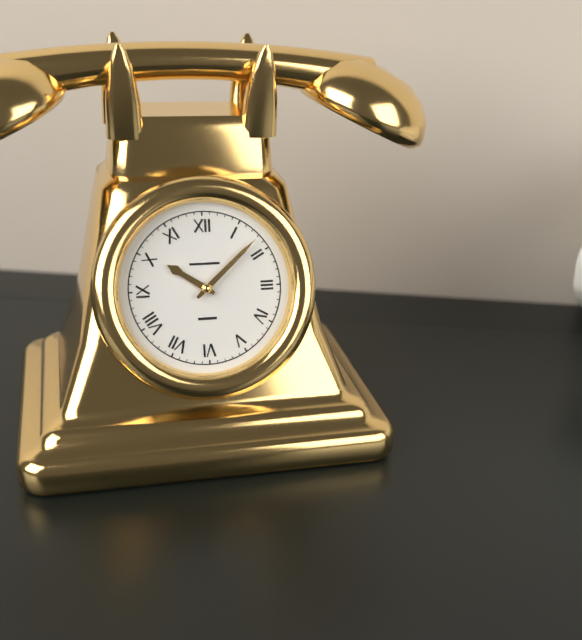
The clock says 10 h 08 min
